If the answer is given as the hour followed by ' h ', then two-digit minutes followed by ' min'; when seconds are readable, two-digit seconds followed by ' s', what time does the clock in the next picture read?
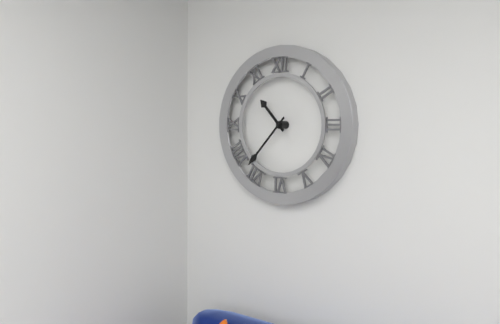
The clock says 10 h 37 min
